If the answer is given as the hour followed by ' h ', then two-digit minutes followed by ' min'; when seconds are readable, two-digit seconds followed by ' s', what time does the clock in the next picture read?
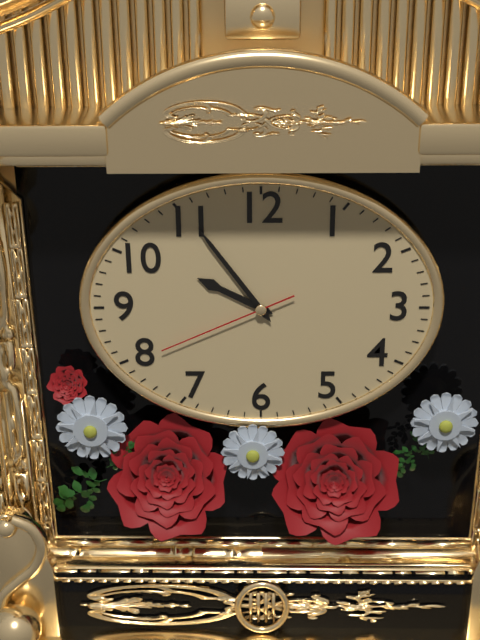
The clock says 9 h 54 min 41 s
